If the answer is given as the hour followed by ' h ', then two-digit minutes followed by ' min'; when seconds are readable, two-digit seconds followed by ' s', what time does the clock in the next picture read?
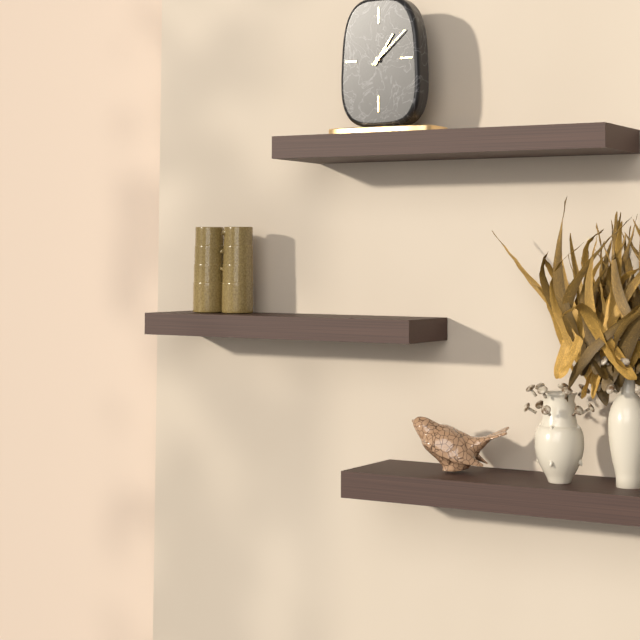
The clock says 1 h 08 min
